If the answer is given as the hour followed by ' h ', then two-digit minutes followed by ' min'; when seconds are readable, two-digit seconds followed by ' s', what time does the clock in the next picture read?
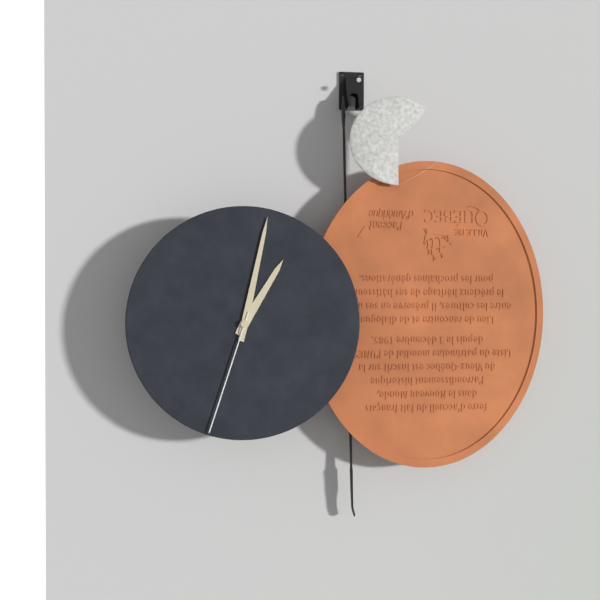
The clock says 1 h 02 min 33 s
